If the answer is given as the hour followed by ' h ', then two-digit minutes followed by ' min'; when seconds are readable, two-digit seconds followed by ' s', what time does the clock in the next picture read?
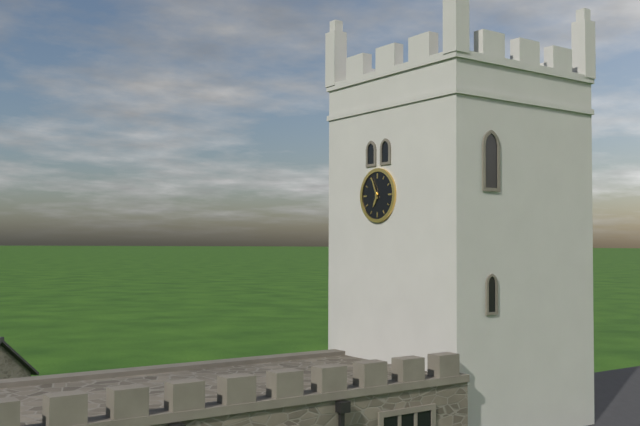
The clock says 6 h 56 min
